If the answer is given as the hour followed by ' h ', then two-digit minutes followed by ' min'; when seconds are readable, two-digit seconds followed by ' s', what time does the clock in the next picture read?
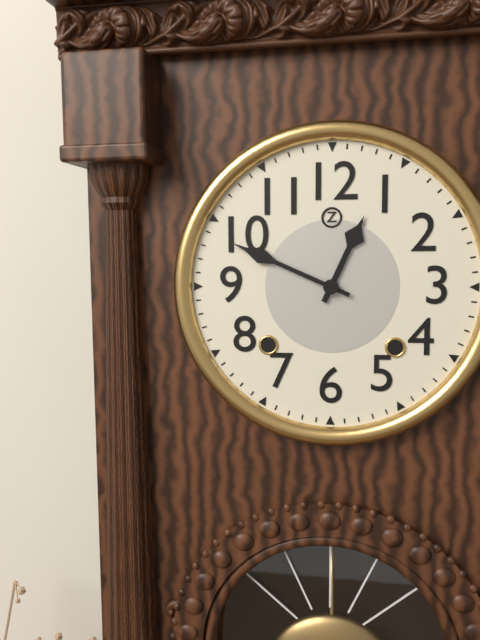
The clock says 12 h 49 min
